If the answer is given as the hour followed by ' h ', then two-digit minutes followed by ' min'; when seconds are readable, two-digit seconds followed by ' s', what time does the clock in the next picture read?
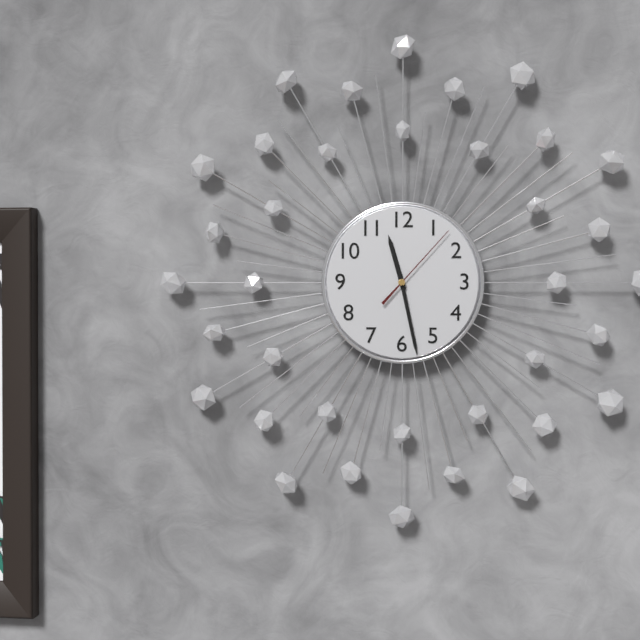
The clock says 11 h 28 min 07 s
